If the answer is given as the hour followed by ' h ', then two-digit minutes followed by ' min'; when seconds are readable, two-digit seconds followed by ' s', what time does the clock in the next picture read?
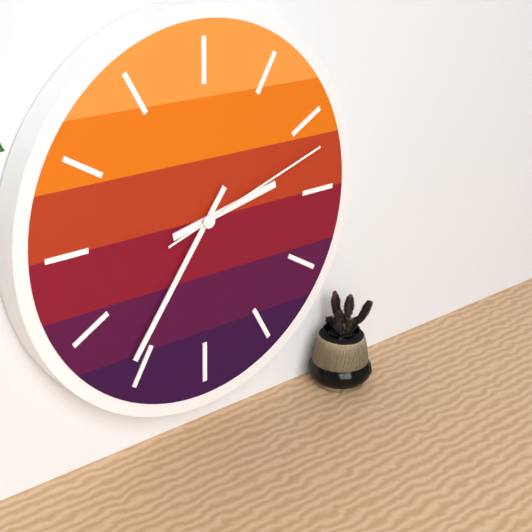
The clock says 2 h 36 min 12 s
